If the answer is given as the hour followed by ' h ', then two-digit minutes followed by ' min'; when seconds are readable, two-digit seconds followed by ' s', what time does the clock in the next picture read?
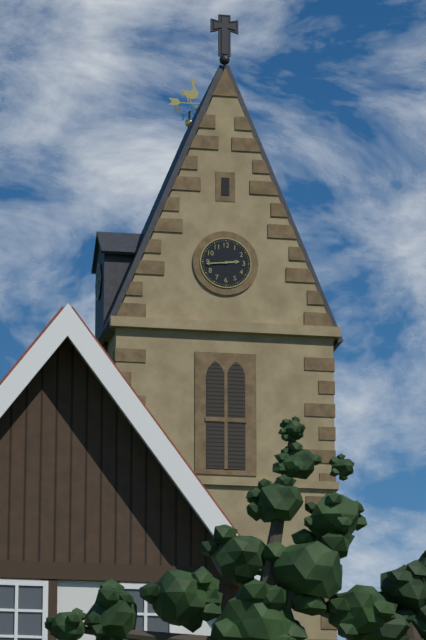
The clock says 2 h 44 min
